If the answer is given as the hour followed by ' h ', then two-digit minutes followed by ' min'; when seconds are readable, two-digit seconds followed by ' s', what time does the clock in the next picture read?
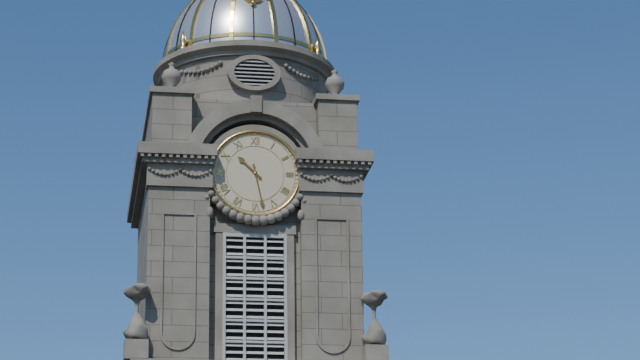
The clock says 10 h 28 min
